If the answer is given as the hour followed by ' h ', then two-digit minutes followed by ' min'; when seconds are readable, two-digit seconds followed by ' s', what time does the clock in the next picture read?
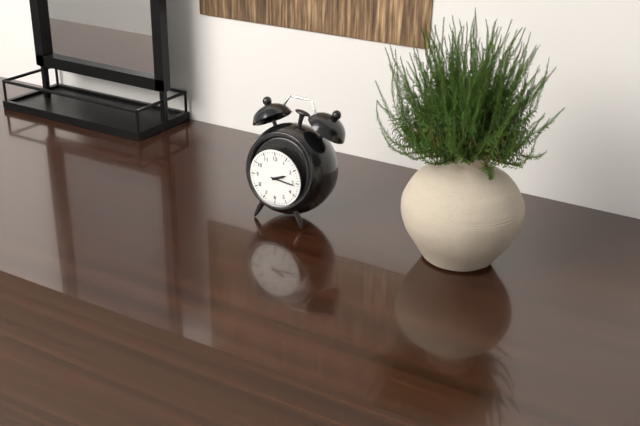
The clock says 2 h 16 min
